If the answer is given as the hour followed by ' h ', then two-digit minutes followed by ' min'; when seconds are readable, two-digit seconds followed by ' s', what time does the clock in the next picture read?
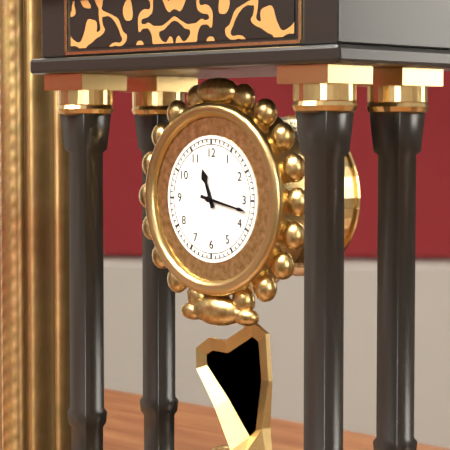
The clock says 11 h 17 min
